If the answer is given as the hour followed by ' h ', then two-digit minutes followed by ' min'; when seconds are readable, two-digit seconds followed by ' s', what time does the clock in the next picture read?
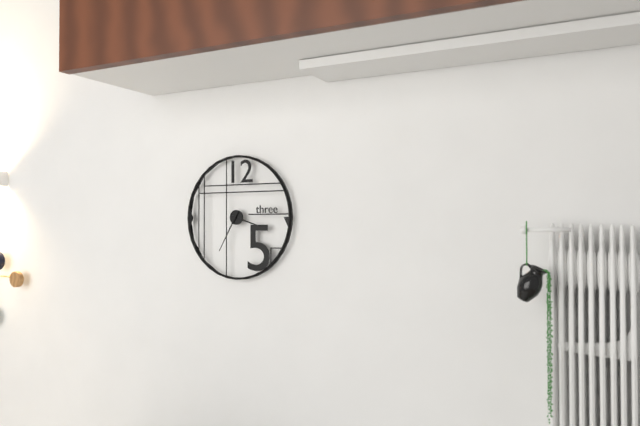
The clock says 3 h 35 min
